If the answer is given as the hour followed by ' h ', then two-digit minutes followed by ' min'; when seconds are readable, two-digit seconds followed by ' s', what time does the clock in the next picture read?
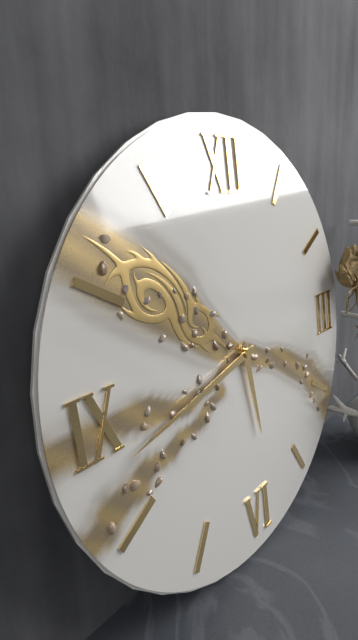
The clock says 5 h 43 min
